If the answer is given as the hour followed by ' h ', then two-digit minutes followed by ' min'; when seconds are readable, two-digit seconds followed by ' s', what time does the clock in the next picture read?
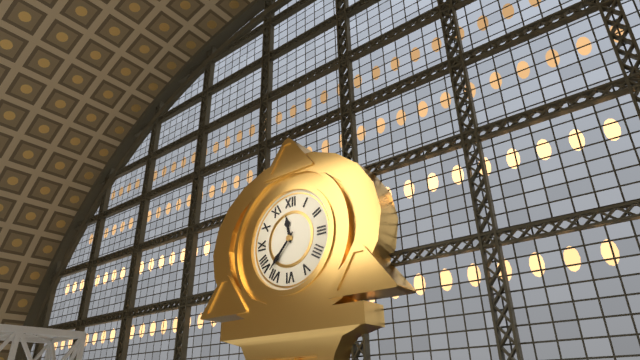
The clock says 11 h 37 min
